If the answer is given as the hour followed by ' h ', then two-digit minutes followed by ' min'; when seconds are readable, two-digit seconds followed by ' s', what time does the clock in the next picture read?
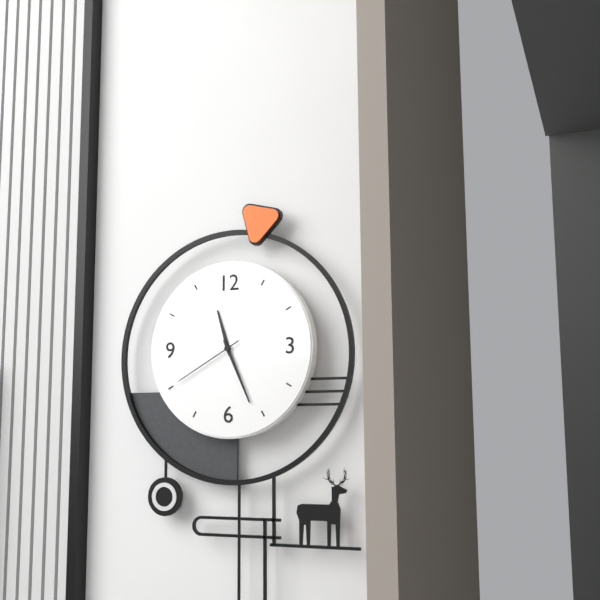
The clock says 11 h 26 min 40 s
